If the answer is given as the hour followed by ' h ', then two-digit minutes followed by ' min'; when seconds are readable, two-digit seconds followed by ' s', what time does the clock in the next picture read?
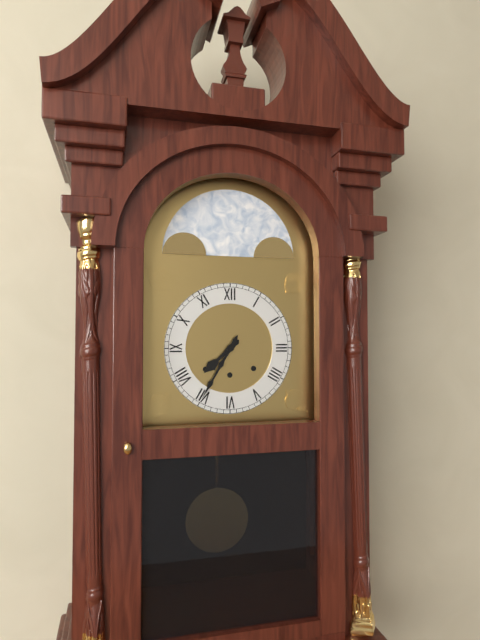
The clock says 7 h 35 min
